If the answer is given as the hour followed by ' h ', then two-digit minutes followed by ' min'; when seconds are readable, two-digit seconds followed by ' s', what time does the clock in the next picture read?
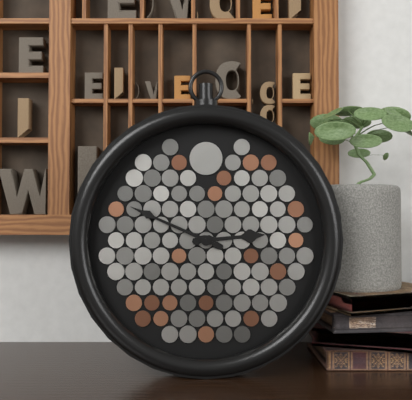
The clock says 2 h 49 min
